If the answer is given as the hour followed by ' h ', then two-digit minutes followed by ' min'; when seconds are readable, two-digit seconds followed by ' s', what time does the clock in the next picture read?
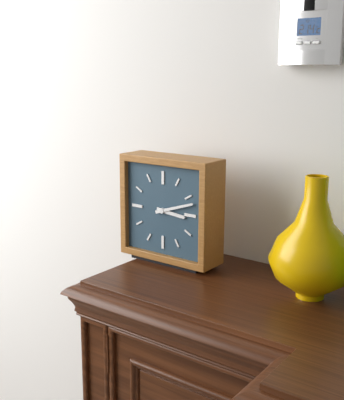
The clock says 3 h 12 min
